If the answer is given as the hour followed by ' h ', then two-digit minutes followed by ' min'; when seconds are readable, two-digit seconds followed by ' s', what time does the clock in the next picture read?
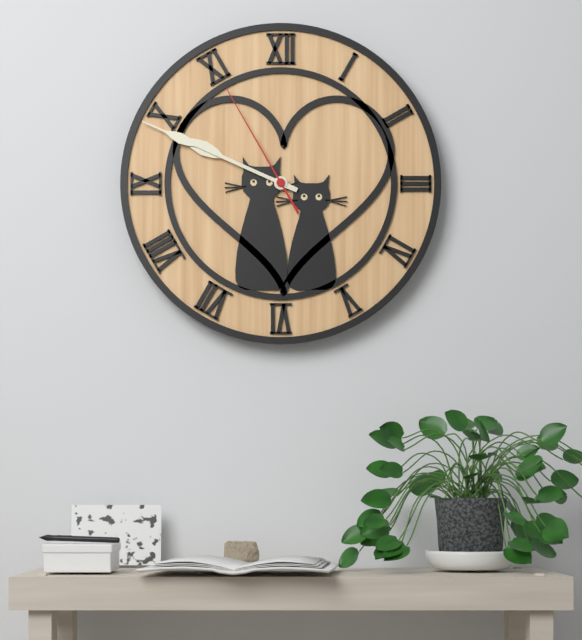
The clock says 9 h 49 min 55 s
